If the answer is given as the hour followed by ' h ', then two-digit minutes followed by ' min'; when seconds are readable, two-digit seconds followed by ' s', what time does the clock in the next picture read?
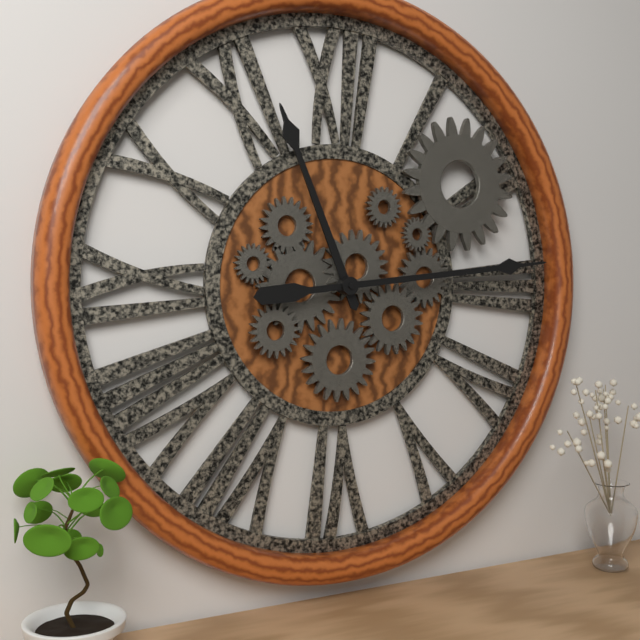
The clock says 11 h 14 min
